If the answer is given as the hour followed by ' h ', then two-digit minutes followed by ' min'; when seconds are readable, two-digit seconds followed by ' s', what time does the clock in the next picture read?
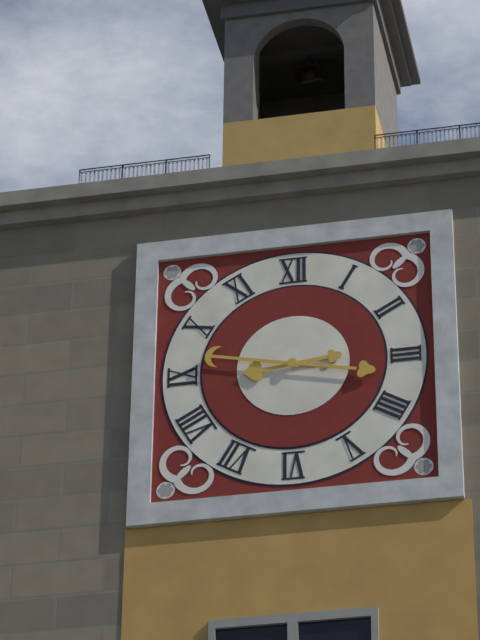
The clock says 8 h 47 min
